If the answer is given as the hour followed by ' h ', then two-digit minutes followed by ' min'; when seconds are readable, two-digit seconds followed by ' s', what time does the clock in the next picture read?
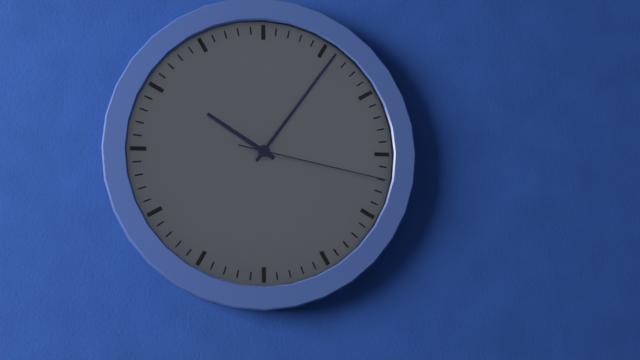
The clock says 10 h 06 min 17 s
